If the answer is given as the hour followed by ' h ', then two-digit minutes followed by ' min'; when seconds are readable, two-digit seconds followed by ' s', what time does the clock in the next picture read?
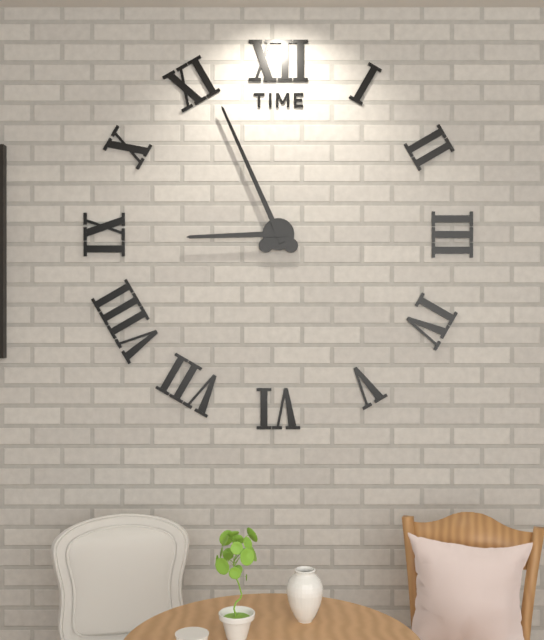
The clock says 8 h 56 min
